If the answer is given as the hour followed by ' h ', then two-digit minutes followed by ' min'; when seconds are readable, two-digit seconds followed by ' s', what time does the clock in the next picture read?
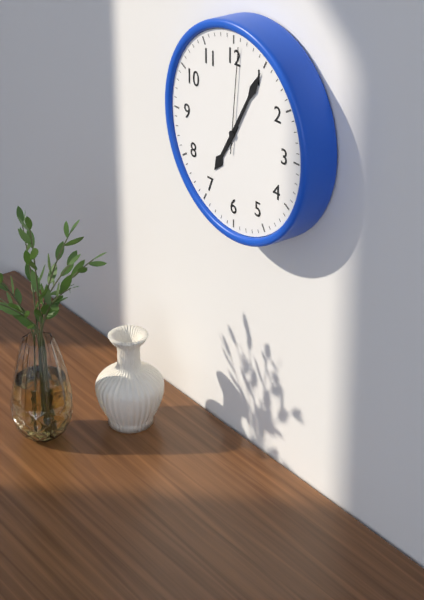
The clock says 7 h 05 min 01 s
